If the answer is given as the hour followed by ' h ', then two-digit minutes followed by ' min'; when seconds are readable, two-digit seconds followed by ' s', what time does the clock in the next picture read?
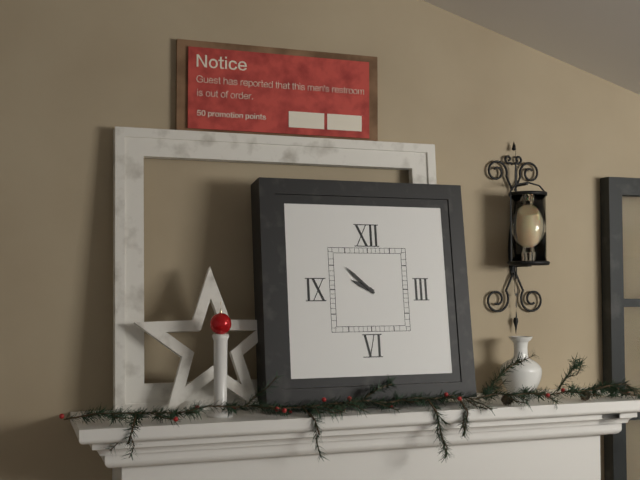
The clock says 9 h 52 min
